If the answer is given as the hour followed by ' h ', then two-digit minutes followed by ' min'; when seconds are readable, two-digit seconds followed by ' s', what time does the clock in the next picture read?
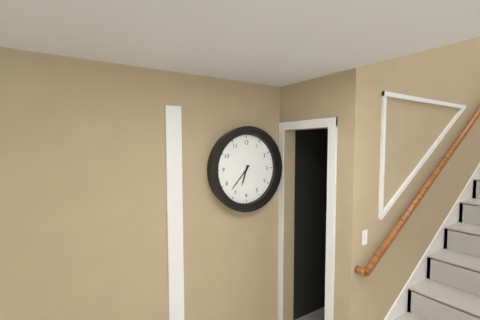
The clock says 6 h 37 min
